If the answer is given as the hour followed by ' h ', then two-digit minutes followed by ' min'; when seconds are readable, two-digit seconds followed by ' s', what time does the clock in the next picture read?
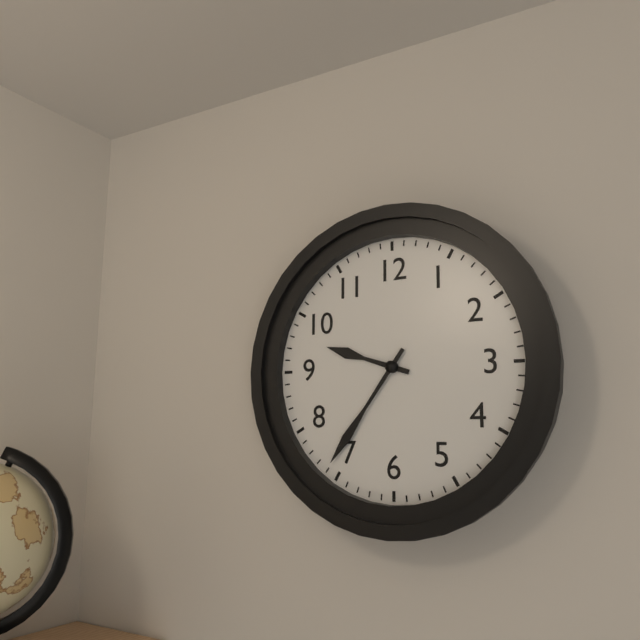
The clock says 9 h 36 min
